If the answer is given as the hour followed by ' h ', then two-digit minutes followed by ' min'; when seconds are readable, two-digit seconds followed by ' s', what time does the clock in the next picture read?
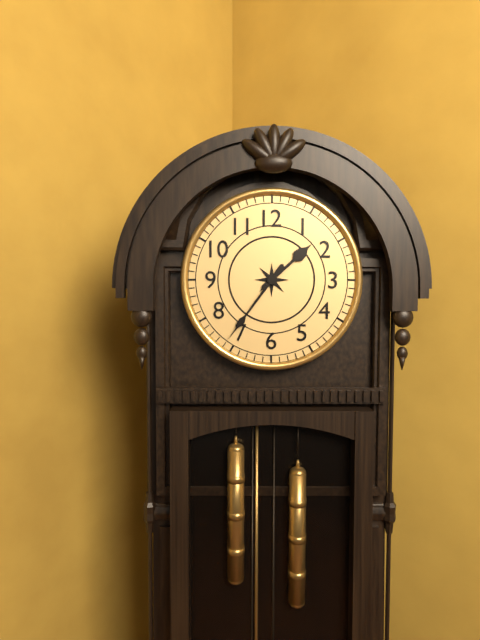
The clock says 1 h 36 min
